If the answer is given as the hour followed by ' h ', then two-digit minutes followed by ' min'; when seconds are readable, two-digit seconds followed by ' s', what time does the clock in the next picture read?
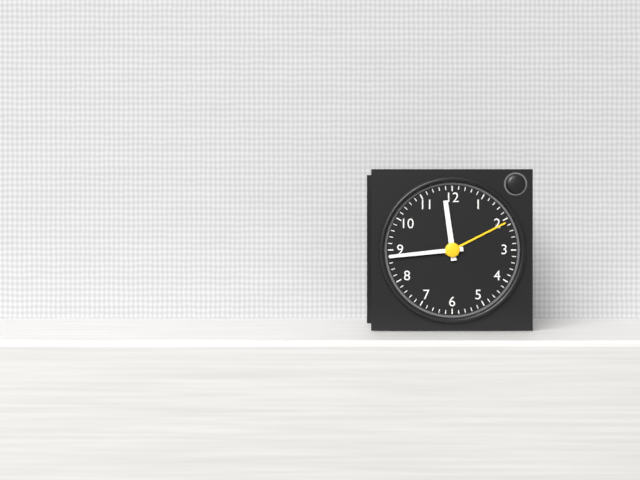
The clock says 11 h 44 min
